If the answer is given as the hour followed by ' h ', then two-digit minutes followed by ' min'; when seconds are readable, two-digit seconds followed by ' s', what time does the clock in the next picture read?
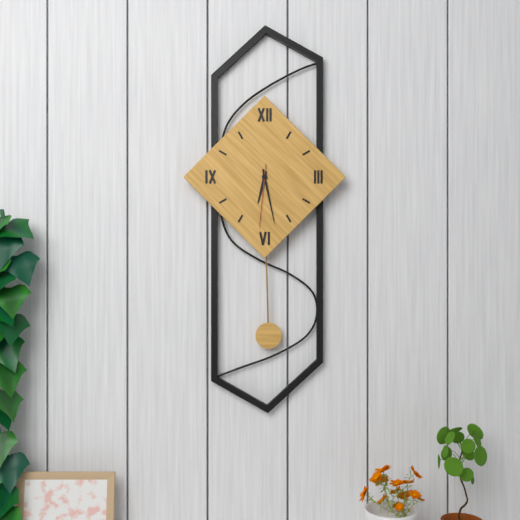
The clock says 6 h 28 min 31 s
